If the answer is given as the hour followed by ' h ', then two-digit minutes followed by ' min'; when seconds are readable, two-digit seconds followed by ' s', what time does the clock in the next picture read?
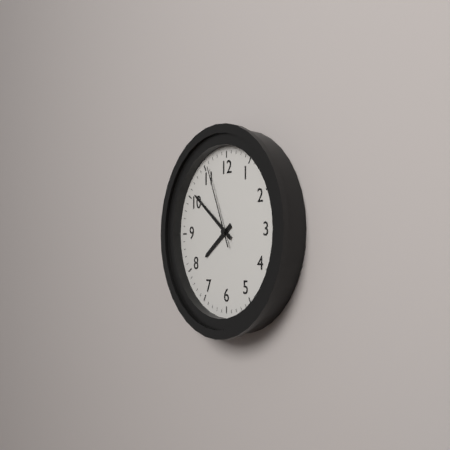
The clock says 7 h 51 min 56 s
